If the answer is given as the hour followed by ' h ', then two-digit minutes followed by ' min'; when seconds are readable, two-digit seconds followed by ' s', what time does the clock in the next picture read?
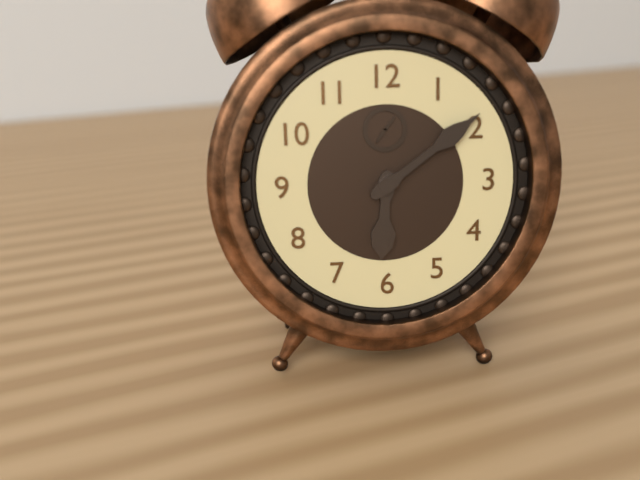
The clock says 6 h 09 min
